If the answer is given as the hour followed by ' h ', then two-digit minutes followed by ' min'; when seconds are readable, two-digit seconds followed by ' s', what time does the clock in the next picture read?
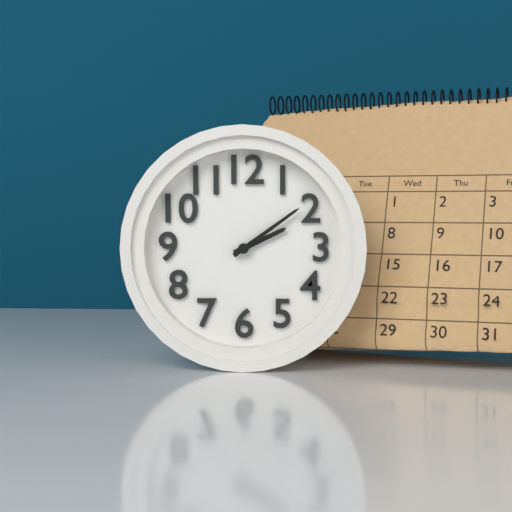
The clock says 2 h 09 min
